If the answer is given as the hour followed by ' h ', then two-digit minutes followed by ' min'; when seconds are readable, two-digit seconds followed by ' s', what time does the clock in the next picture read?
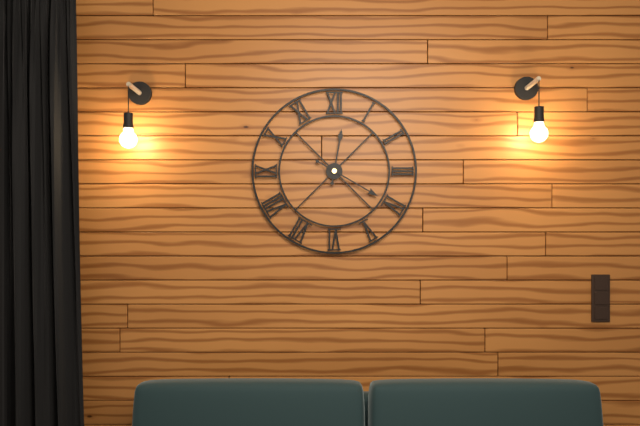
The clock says 12 h 20 min
